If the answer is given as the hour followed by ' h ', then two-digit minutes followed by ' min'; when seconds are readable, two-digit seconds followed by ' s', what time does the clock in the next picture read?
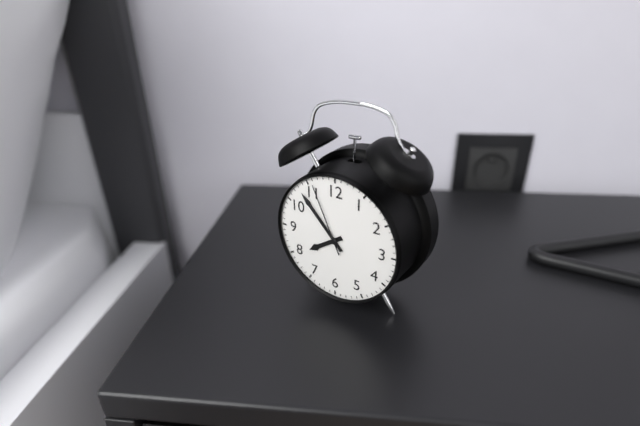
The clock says 7 h 53 min 56 s
